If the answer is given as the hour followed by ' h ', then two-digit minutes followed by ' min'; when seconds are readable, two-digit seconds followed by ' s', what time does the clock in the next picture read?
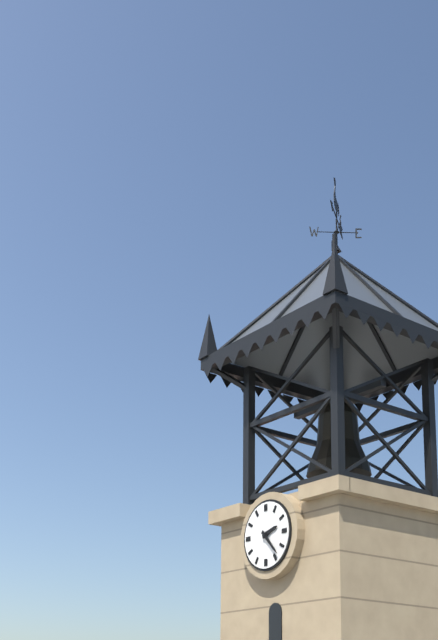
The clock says 2 h 23 min
